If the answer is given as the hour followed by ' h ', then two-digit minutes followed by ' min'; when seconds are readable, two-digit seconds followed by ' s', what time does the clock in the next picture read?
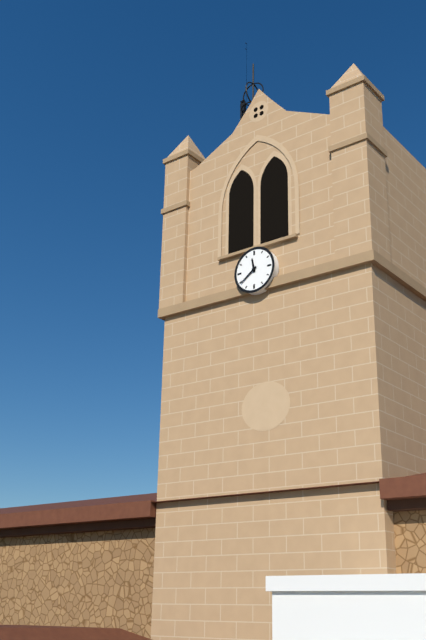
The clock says 11 h 39 min
